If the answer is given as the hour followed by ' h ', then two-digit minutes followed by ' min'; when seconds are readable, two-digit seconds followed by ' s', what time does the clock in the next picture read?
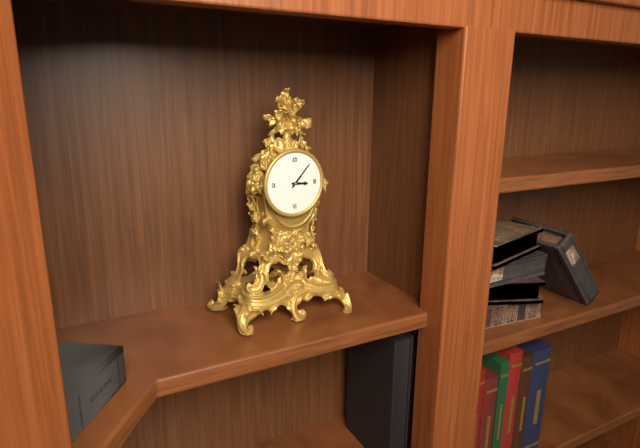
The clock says 3 h 07 min
